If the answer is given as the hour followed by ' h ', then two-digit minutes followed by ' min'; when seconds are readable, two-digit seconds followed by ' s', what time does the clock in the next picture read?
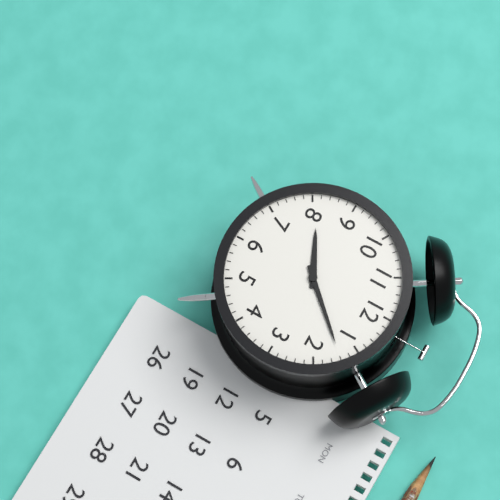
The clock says 8 h 07 min
